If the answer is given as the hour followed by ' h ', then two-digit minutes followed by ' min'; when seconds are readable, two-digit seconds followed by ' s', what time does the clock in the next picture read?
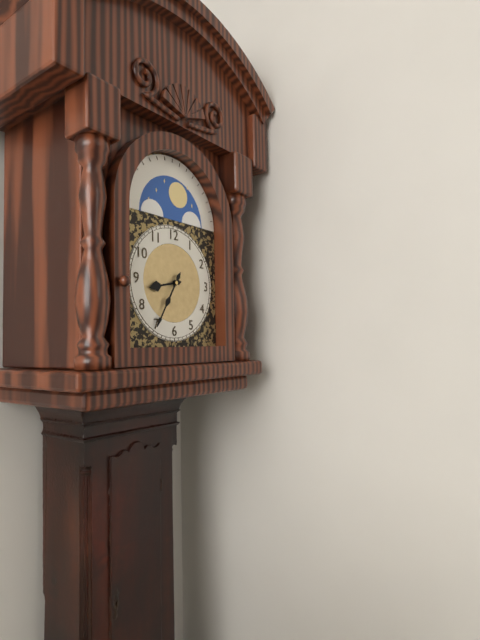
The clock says 8 h 35 min
